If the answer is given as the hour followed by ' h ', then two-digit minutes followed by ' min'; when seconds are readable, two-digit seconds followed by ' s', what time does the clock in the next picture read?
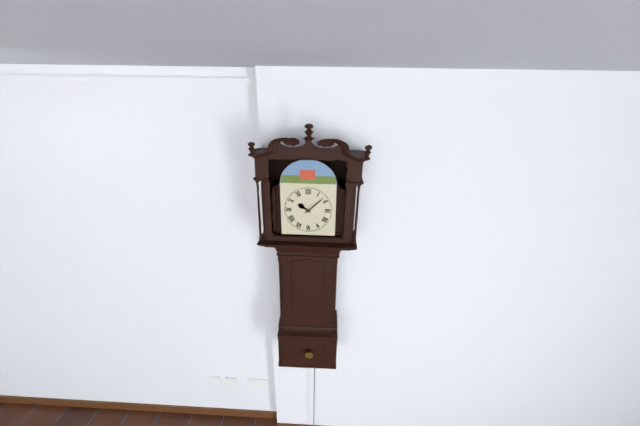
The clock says 10 h 08 min
